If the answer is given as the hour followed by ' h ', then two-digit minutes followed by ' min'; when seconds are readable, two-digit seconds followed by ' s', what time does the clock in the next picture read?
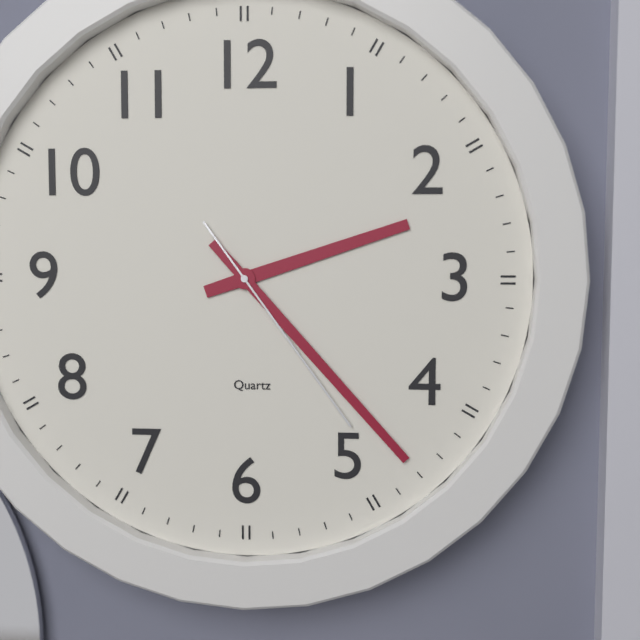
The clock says 2 h 23 min 24 s
